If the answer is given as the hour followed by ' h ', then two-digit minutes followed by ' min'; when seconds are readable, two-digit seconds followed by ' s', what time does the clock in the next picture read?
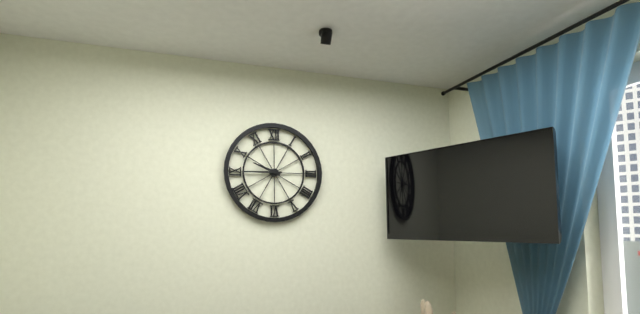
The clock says 9 h 45 min
